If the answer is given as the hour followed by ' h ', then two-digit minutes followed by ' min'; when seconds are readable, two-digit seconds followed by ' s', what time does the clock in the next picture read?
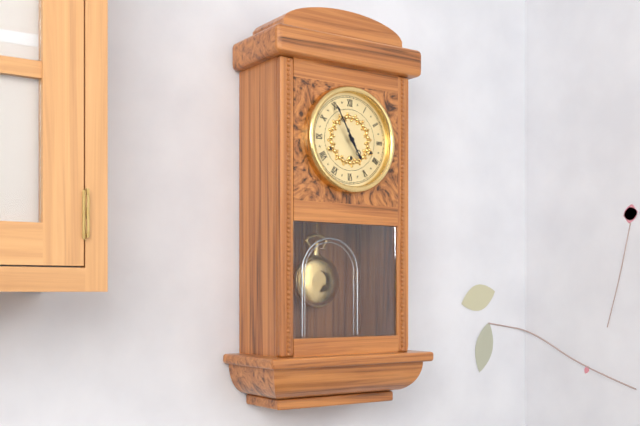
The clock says 4 h 55 min
